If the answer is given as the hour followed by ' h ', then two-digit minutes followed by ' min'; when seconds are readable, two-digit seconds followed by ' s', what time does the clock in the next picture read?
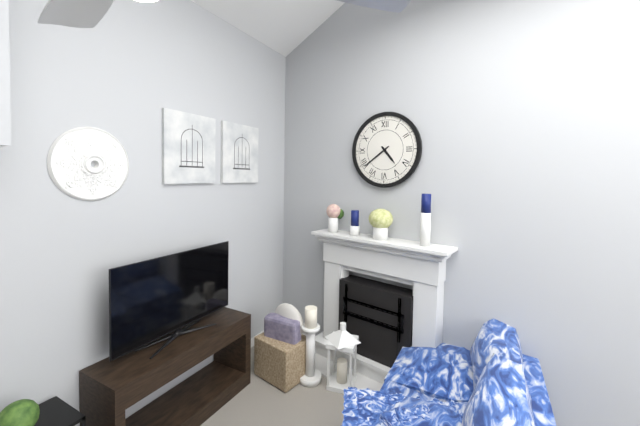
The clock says 4 h 39 min
